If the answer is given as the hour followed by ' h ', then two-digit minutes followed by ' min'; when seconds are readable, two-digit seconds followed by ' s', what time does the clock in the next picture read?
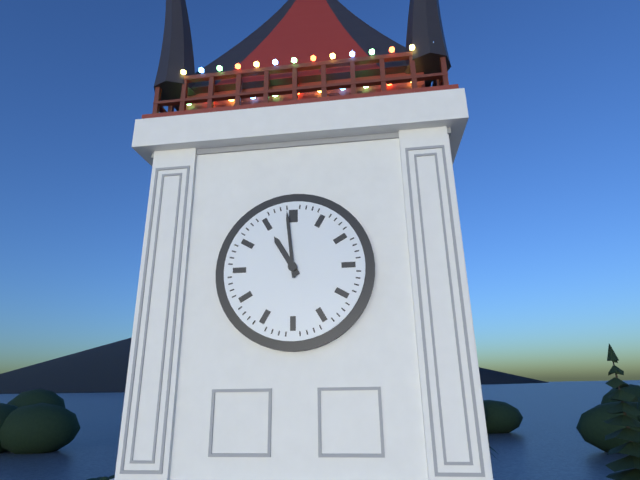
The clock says 10 h 59 min
